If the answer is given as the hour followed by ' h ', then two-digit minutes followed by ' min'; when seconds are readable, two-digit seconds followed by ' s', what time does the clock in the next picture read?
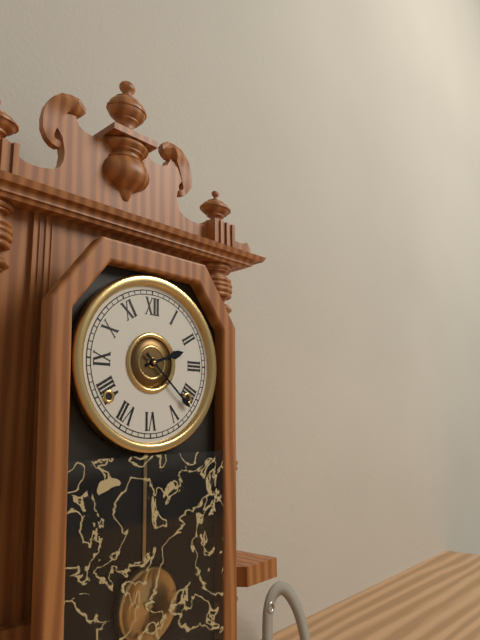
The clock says 2 h 22 min
